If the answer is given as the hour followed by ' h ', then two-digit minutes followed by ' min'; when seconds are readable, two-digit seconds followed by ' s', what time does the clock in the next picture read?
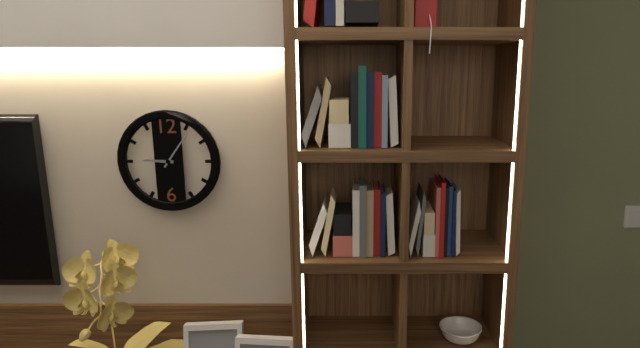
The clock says 9 h 06 min
